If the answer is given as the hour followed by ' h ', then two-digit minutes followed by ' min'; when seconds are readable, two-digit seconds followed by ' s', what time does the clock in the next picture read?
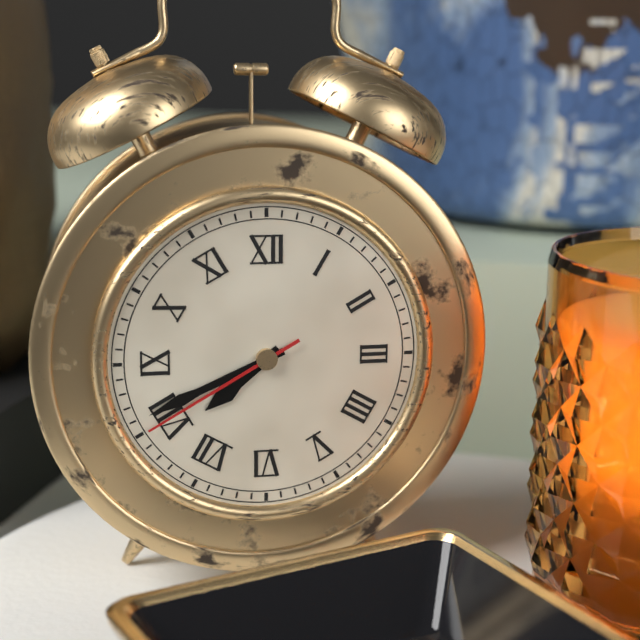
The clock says 7 h 41 min 40 s
